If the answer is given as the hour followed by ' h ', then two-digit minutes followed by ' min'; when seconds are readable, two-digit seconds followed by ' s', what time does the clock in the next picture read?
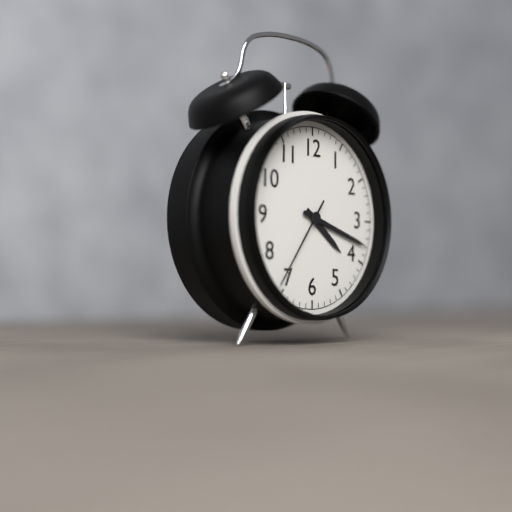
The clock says 4 h 18 min 36 s
